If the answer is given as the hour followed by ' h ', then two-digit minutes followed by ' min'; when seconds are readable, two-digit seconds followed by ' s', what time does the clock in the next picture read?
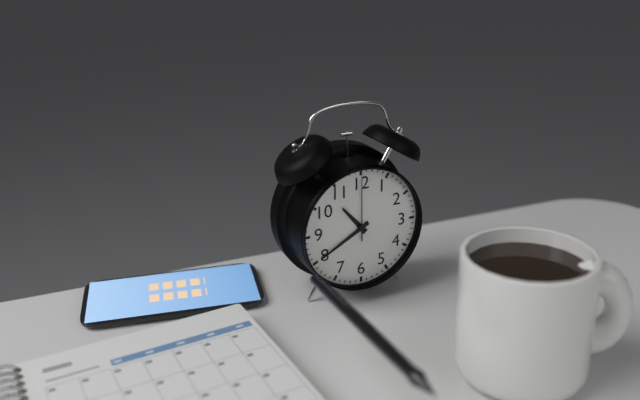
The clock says 10 h 40 min 00 s
